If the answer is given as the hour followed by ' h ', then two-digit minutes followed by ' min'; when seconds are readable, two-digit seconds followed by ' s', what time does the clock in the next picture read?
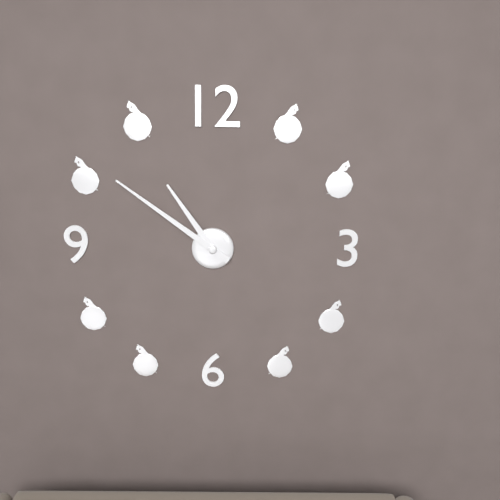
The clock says 10 h 51 min
